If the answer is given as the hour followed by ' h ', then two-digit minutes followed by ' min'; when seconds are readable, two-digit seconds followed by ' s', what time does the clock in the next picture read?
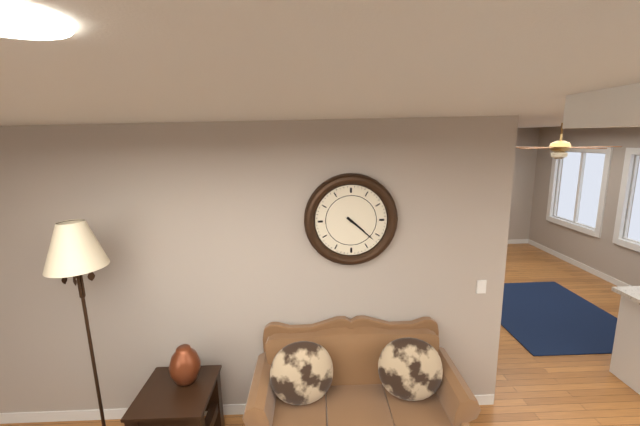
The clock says 4 h 22 min
